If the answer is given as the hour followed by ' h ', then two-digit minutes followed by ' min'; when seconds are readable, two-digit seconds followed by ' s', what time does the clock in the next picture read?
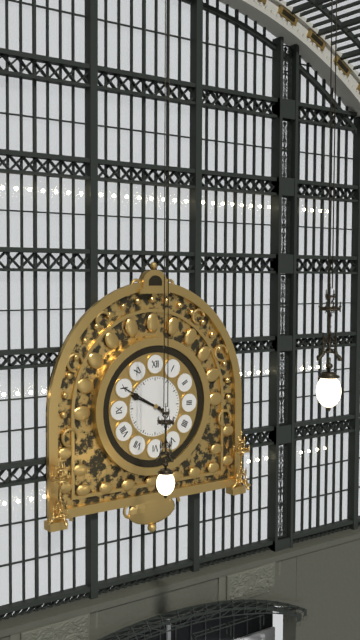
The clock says 9 h 50 min
